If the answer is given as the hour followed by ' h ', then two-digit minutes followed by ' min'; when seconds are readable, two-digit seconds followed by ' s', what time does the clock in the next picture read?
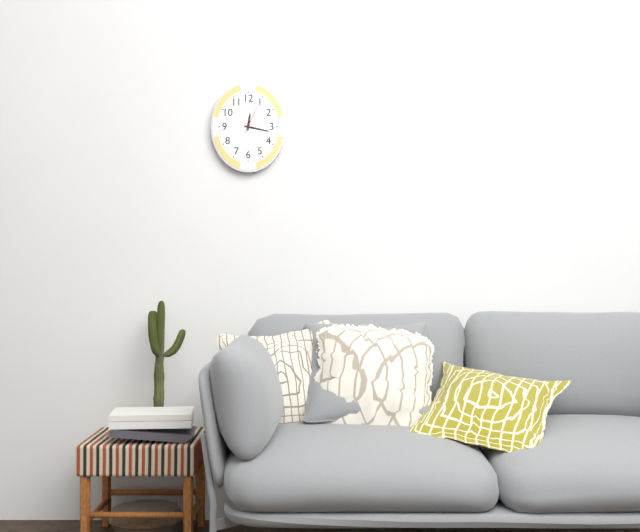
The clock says 12 h 17 min
